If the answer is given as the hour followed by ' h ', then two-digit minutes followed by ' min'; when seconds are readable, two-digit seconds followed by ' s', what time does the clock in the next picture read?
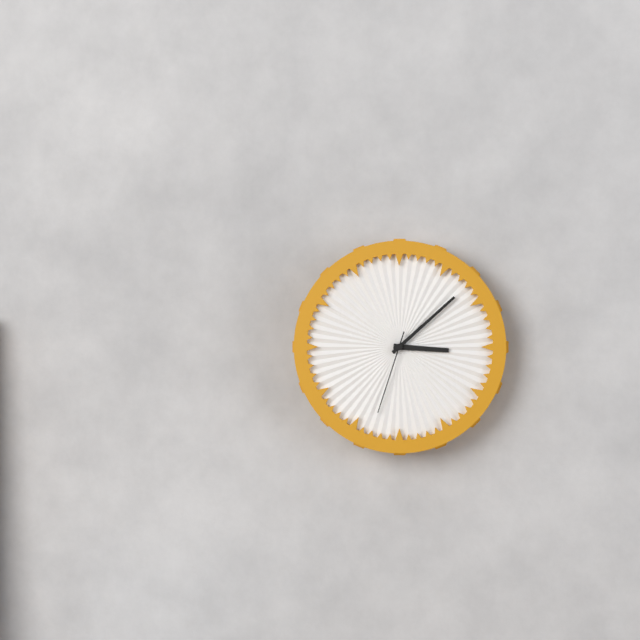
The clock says 3 h 08 min 33 s
